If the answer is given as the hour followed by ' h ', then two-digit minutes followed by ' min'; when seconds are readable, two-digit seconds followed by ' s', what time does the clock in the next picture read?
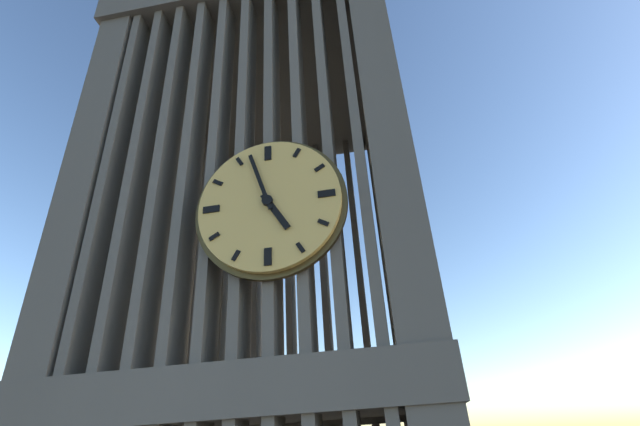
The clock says 4 h 57 min
